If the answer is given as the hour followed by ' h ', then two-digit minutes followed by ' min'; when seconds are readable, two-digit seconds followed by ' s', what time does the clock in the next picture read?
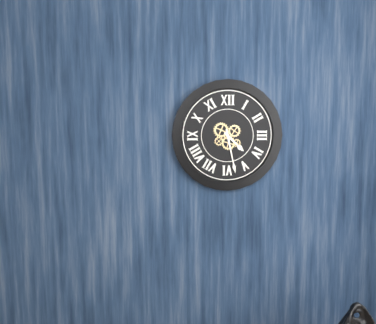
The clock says 4 h 28 min
